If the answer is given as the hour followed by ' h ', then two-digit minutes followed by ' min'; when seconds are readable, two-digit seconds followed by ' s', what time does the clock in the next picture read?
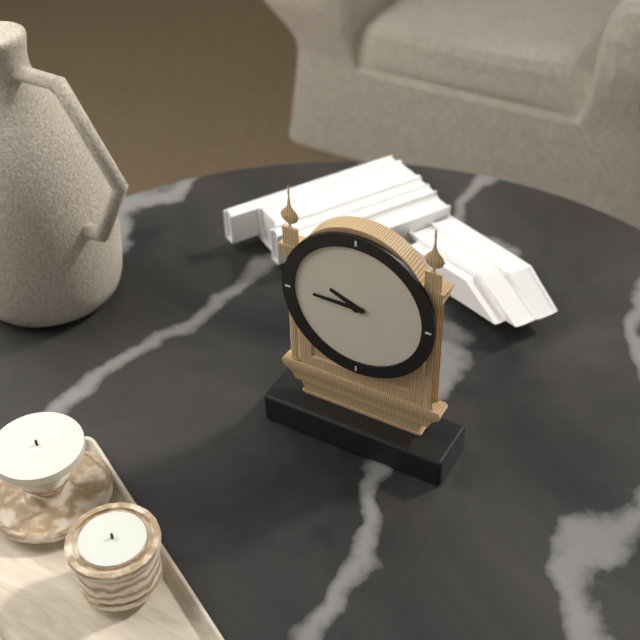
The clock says 9 h 45 min
